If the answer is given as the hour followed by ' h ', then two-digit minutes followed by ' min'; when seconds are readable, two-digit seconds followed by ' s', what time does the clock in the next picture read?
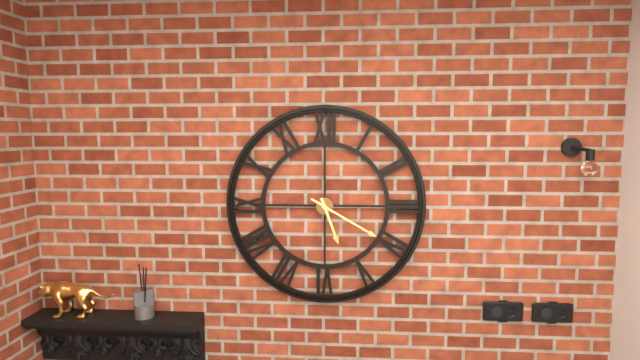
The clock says 5 h 20 min
